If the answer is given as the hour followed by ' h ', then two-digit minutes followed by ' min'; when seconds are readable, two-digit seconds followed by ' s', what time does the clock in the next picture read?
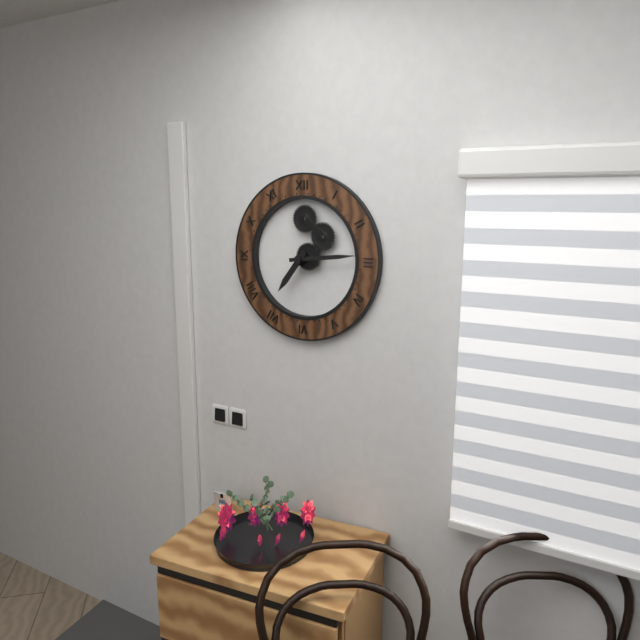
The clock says 7 h 14 min
